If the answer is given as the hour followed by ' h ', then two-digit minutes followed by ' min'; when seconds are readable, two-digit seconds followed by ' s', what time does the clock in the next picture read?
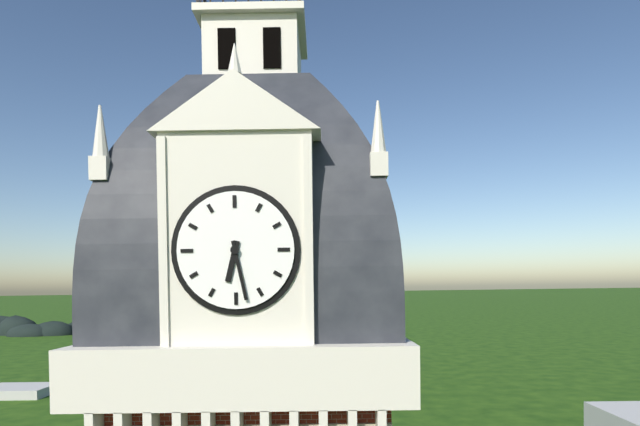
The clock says 6 h 28 min
